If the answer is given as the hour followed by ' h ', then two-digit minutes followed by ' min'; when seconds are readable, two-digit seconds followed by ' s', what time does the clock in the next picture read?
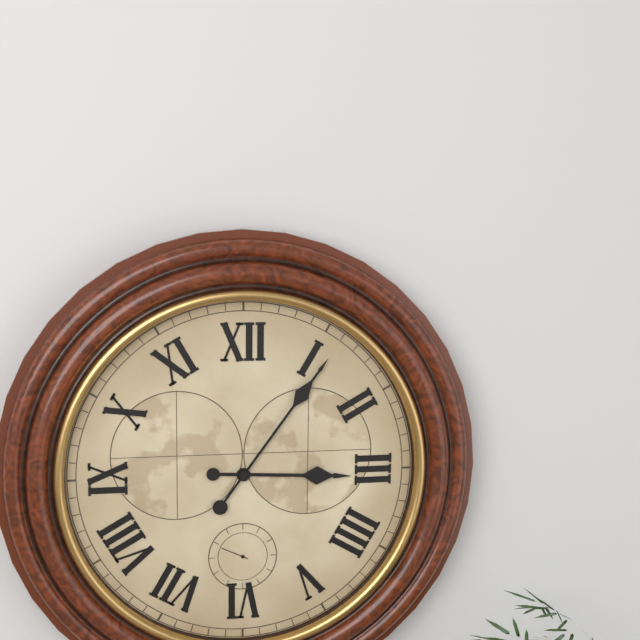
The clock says 3 h 06 min
